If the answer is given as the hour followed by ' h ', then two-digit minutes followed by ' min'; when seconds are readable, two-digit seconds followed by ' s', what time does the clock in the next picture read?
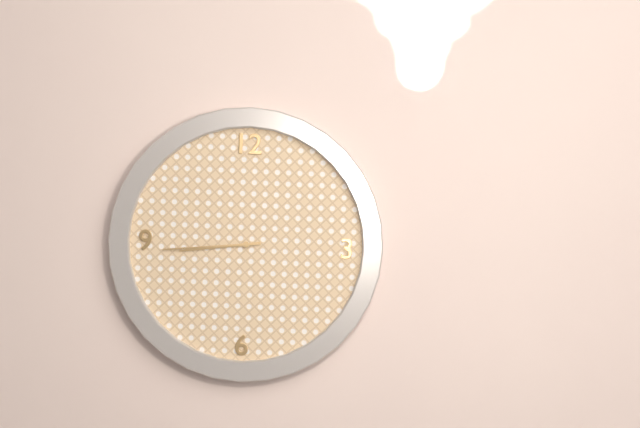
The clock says 8 h 44 min
